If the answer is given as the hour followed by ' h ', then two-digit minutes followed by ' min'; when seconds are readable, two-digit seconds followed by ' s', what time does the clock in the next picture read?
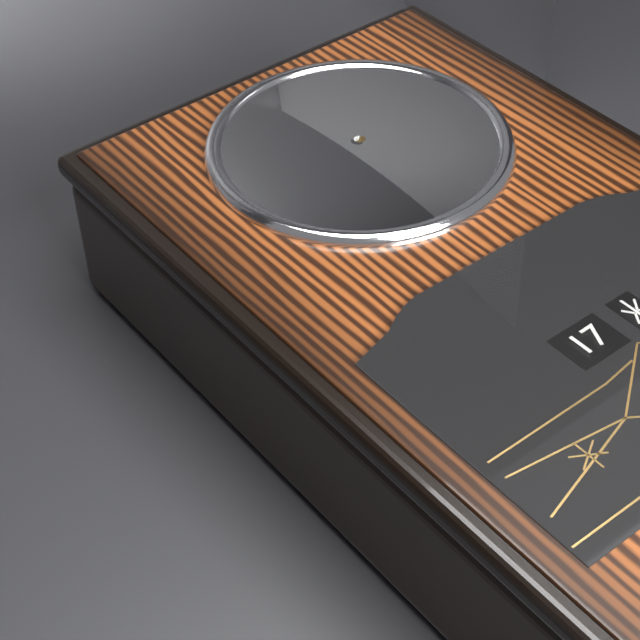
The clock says 2 h 09 min
